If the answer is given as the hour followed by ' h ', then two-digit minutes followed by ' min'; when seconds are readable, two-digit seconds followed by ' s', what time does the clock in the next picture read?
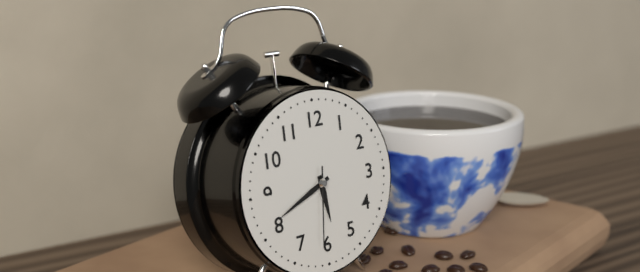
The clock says 5 h 41 min 31 s
